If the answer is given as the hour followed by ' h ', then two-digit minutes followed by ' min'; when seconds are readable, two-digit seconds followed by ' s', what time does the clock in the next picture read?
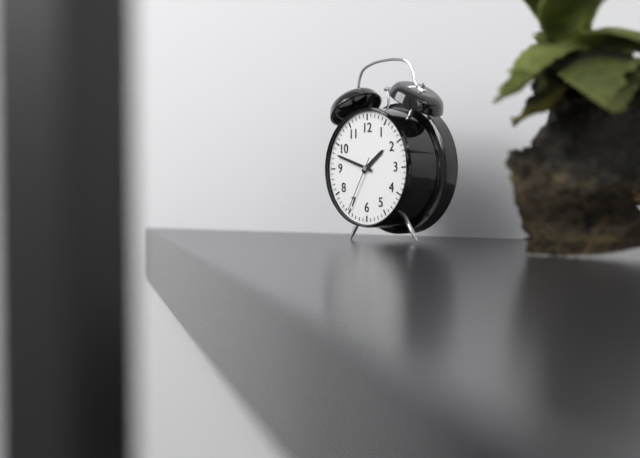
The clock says 1 h 48 min 35 s
